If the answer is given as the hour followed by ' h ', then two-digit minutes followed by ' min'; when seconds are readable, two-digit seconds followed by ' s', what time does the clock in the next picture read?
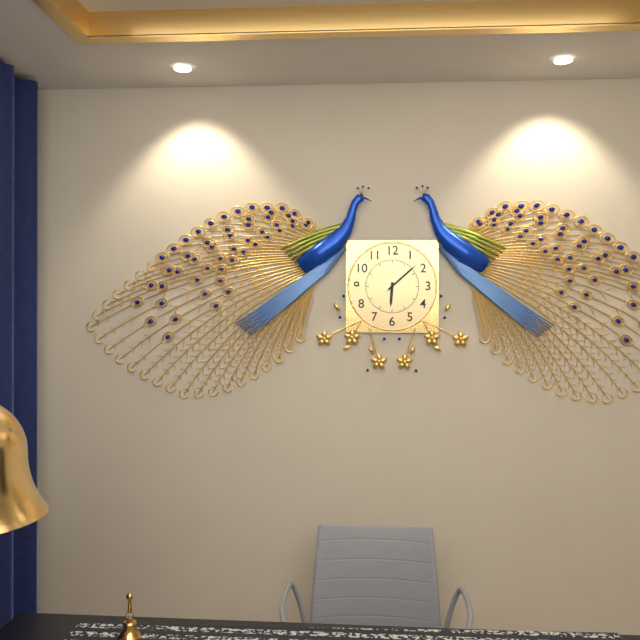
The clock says 6 h 08 min
